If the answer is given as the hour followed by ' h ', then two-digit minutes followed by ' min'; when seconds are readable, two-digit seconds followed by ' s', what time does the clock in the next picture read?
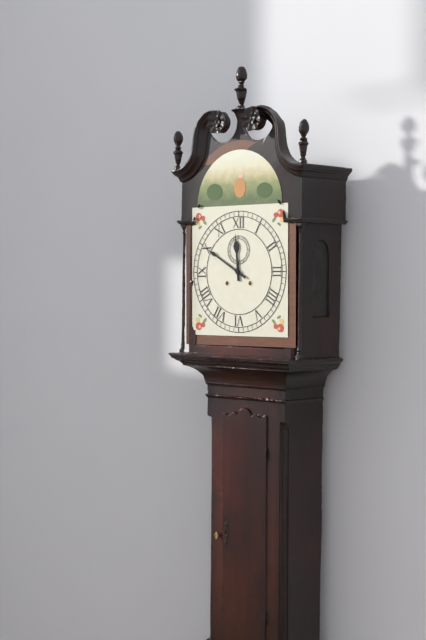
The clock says 11 h 50 min
